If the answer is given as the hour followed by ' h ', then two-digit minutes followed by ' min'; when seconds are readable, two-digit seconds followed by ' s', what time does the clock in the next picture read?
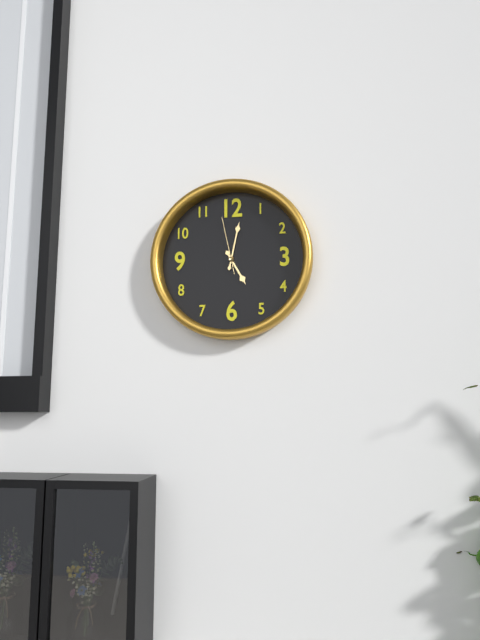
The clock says 5 h 02 min 58 s
